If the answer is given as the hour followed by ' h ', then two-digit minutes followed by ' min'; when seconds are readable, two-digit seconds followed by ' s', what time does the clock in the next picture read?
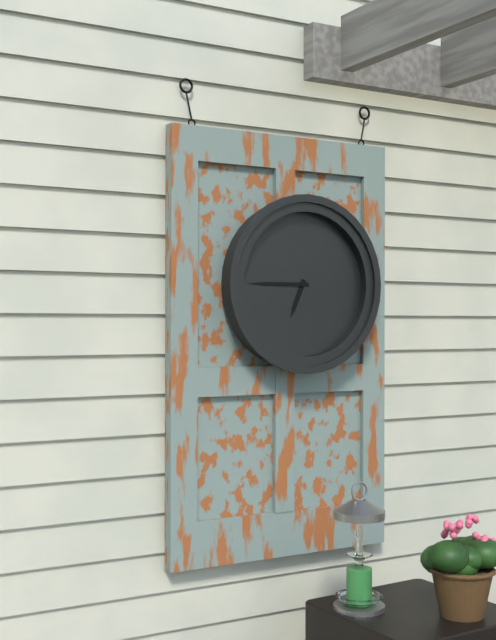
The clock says 6 h 45 min
